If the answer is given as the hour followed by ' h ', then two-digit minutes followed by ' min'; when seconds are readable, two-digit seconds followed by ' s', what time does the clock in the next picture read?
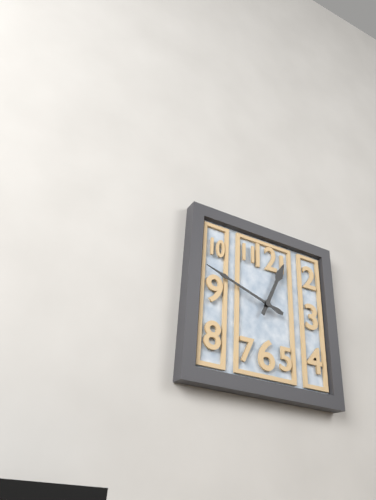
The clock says 12 h 48 min
